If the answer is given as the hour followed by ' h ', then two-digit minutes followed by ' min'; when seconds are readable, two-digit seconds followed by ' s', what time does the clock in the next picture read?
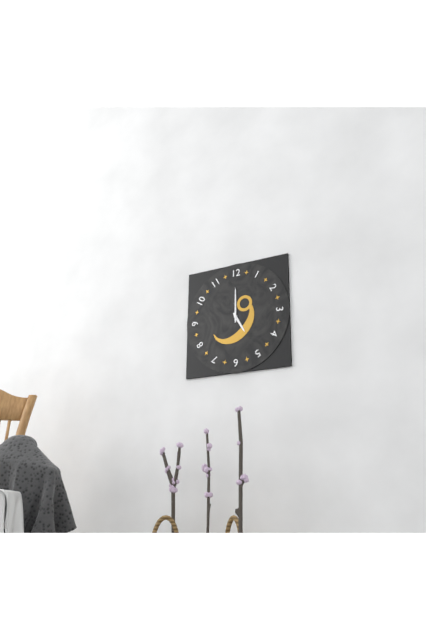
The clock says 5 h 00 min
